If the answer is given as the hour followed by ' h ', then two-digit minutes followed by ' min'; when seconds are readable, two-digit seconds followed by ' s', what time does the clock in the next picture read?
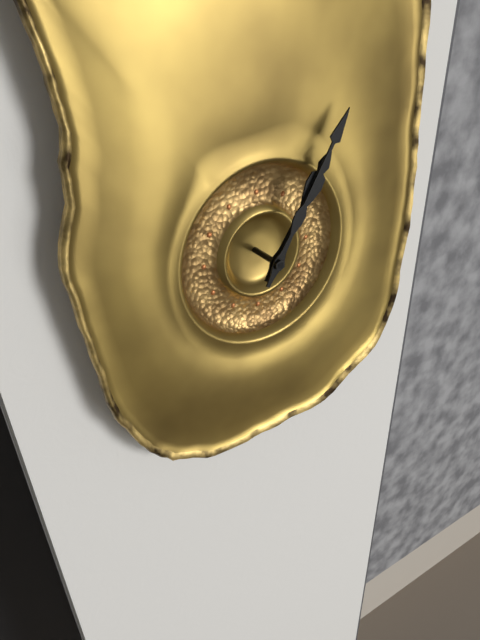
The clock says 1 h 05 min
